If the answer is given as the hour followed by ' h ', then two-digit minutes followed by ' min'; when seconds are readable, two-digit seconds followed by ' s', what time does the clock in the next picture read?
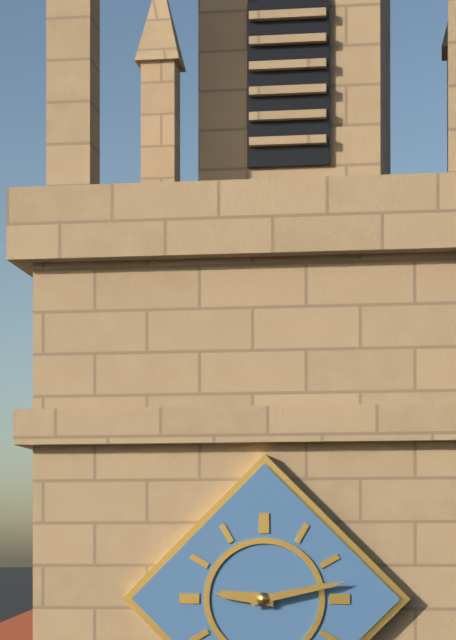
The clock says 9 h 13 min
